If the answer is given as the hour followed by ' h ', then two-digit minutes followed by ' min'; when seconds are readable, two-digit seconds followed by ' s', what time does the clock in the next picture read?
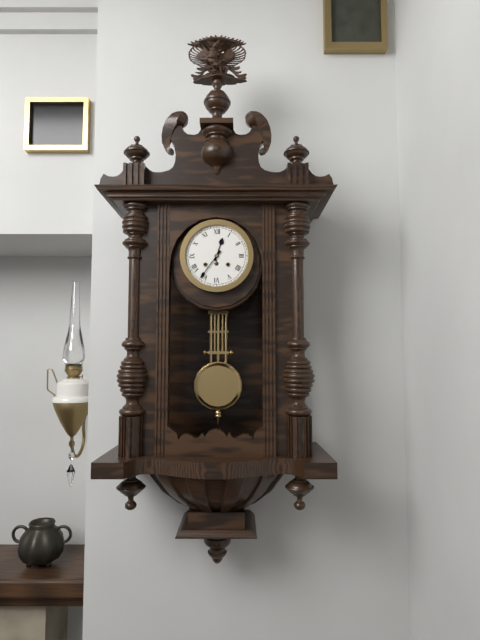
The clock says 12 h 36 min
